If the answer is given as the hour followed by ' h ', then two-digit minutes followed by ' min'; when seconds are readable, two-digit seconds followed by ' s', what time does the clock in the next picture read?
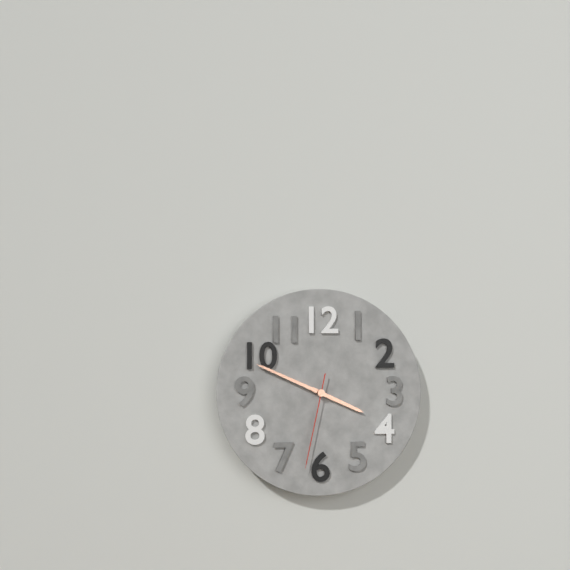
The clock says 3 h 49 min 32 s
